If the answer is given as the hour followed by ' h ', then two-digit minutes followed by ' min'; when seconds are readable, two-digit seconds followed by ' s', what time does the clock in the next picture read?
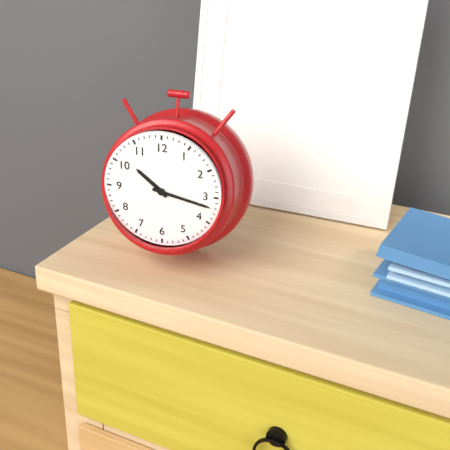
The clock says 10 h 17 min
